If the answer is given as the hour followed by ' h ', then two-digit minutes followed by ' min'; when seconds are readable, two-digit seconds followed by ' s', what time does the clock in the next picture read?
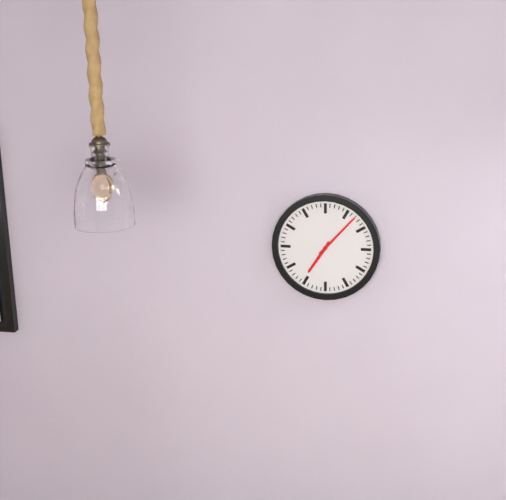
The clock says 7 h 07 min
